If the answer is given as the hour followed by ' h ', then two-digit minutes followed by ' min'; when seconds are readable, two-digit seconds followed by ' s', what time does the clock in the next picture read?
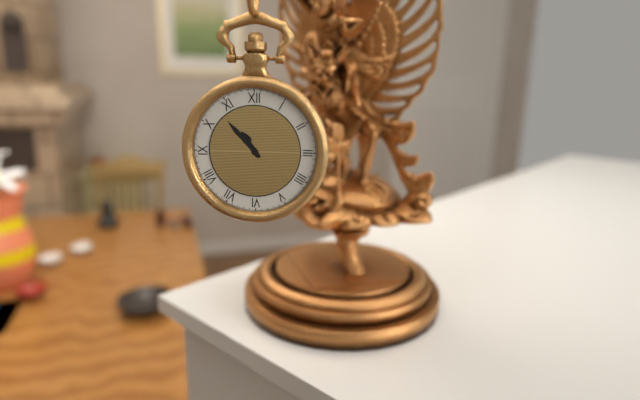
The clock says 10 h 53 min
